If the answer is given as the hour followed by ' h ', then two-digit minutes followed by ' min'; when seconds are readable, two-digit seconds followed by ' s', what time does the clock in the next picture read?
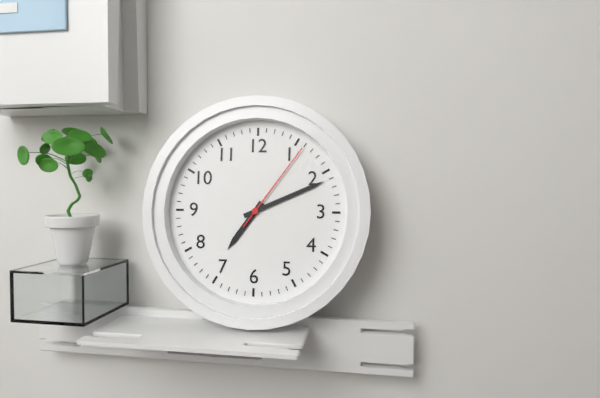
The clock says 7 h 11 min 06 s
